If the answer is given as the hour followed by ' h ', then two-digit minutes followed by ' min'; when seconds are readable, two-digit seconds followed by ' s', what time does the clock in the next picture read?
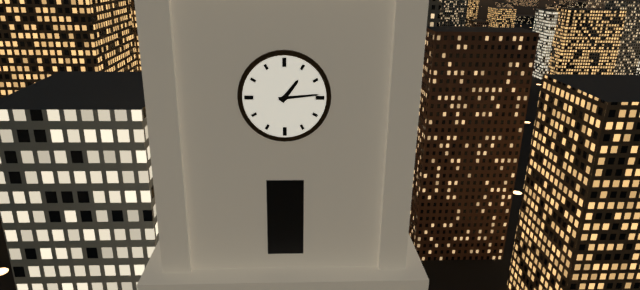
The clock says 1 h 14 min
